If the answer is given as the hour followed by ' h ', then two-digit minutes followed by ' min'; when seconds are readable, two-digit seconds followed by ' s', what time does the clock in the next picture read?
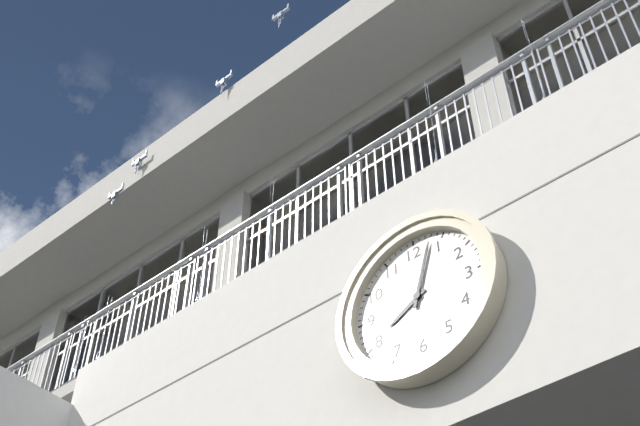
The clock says 8 h 03 min
